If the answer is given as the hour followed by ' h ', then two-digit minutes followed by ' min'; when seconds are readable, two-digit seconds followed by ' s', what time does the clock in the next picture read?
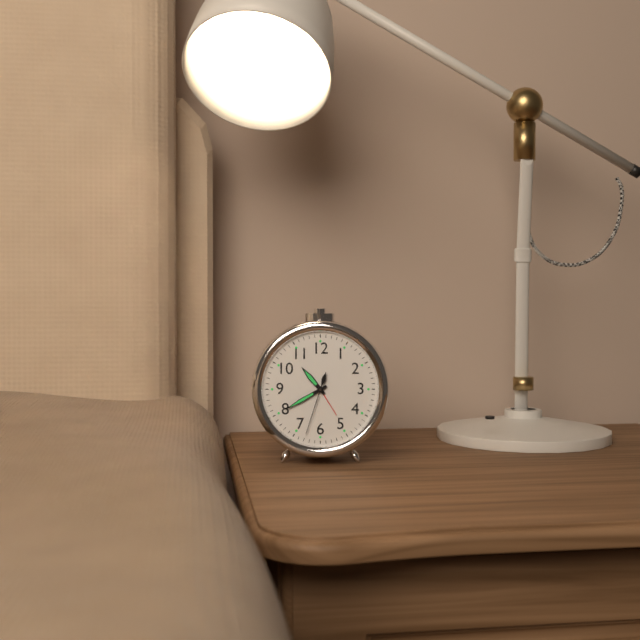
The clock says 10 h 40 min 33 s
